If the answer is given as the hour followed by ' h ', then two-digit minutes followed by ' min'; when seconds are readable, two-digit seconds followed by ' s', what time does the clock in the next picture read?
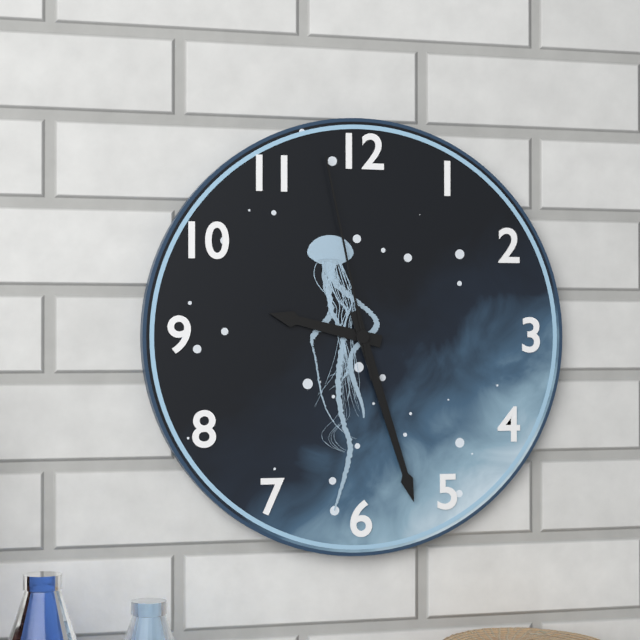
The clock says 9 h 27 min 58 s
